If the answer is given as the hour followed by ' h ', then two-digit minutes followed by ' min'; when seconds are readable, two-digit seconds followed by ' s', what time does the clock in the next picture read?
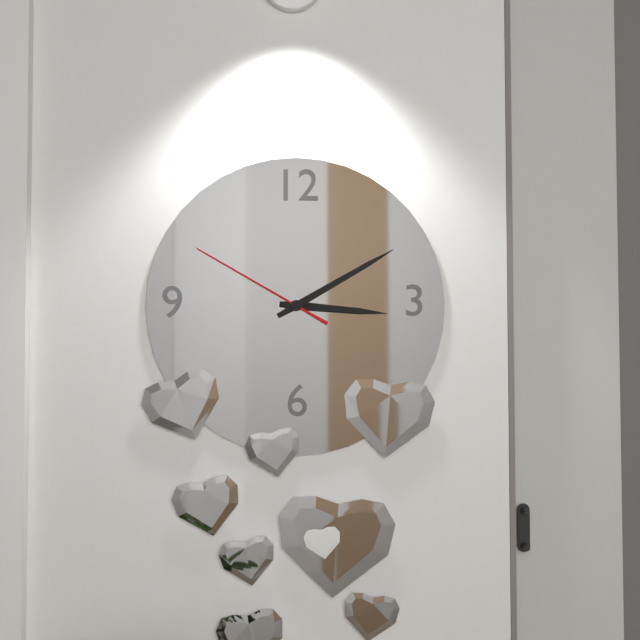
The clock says 3 h 10 min 50 s
